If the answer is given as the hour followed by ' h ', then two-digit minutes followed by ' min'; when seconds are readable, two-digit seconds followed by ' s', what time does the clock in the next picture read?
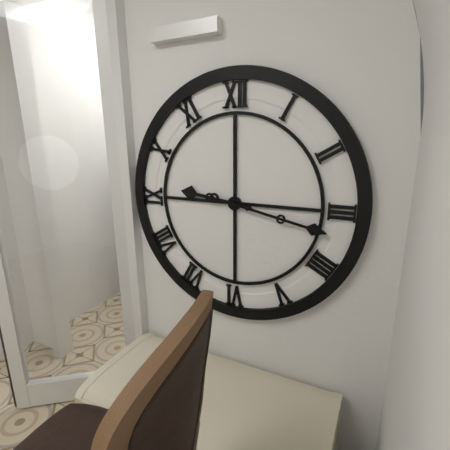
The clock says 9 h 17 min
